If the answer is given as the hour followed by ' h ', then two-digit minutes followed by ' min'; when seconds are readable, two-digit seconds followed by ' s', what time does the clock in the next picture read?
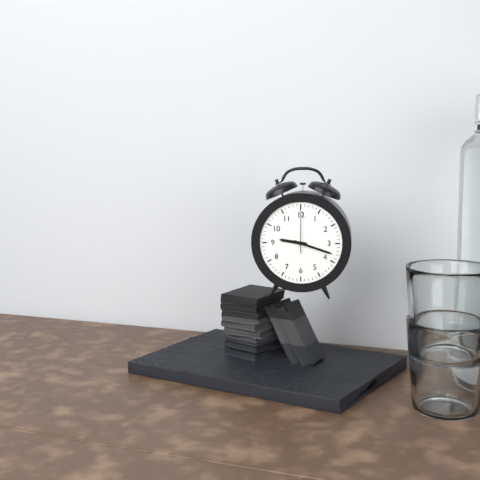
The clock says 9 h 18 min
